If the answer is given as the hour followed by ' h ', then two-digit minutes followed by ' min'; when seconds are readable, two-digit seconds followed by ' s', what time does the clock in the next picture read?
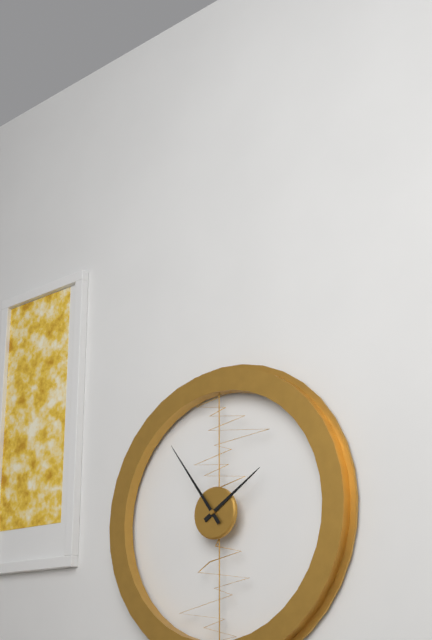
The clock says 1 h 54 min
